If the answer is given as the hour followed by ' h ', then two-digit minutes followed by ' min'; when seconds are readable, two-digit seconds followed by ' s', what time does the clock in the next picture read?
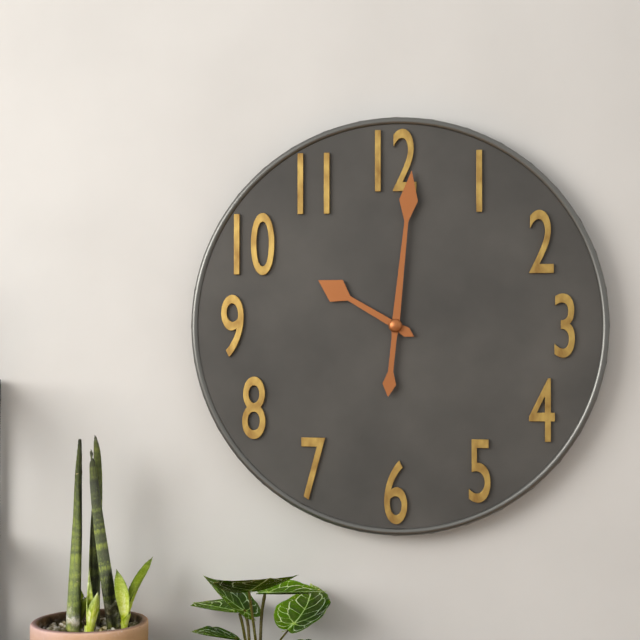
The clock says 10 h 01 min
